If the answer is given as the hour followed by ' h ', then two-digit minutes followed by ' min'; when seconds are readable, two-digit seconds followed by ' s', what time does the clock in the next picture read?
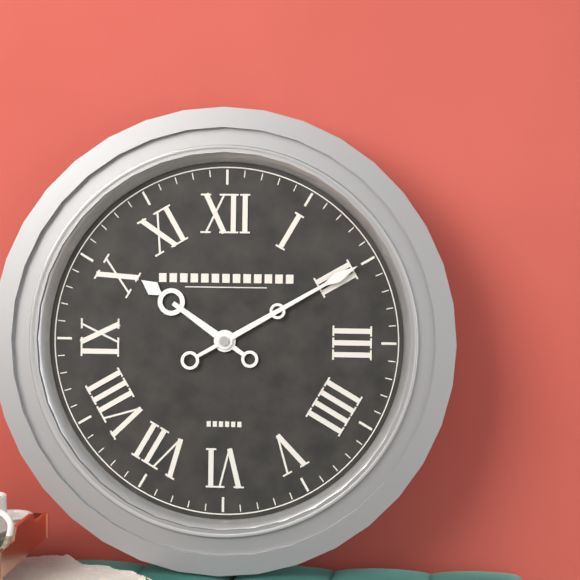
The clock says 10 h 10 min
